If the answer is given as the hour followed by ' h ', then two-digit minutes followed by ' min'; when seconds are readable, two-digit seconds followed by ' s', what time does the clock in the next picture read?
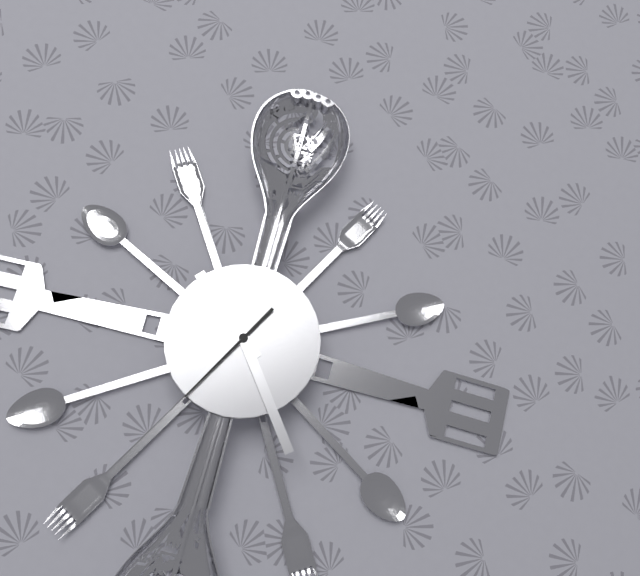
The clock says 10 h 24 min 35 s
